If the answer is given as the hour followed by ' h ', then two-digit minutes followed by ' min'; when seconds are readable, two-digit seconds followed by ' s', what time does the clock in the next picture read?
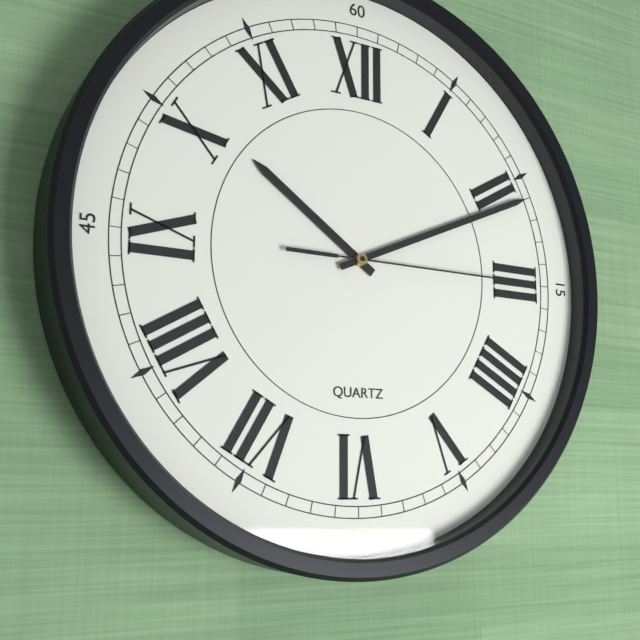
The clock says 10 h 11 min 15 s
